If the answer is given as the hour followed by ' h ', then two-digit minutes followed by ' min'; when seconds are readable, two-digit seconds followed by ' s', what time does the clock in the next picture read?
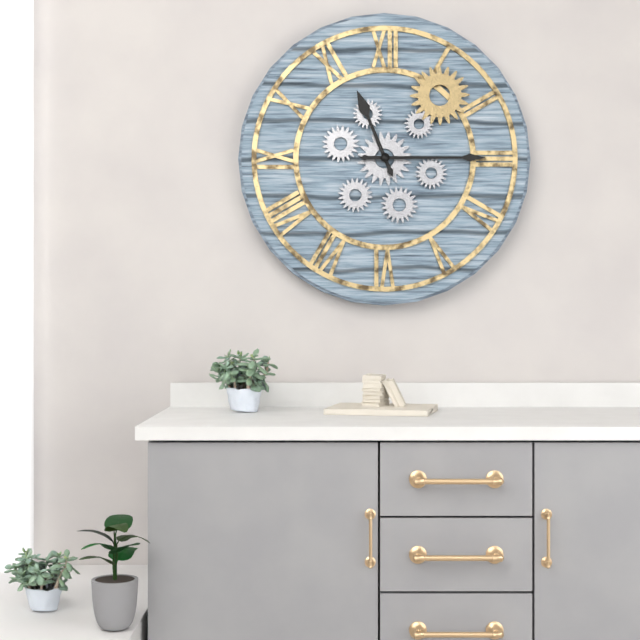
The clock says 11 h 15 min
